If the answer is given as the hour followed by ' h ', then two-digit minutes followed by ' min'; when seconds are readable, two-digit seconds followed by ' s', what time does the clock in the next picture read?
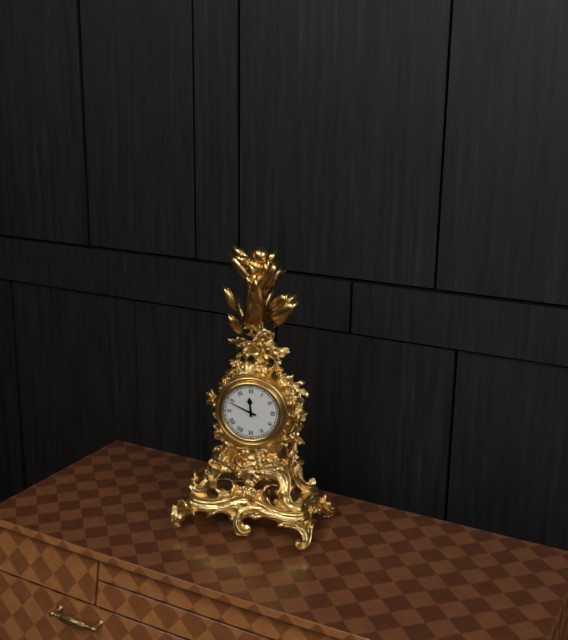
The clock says 11 h 49 min
